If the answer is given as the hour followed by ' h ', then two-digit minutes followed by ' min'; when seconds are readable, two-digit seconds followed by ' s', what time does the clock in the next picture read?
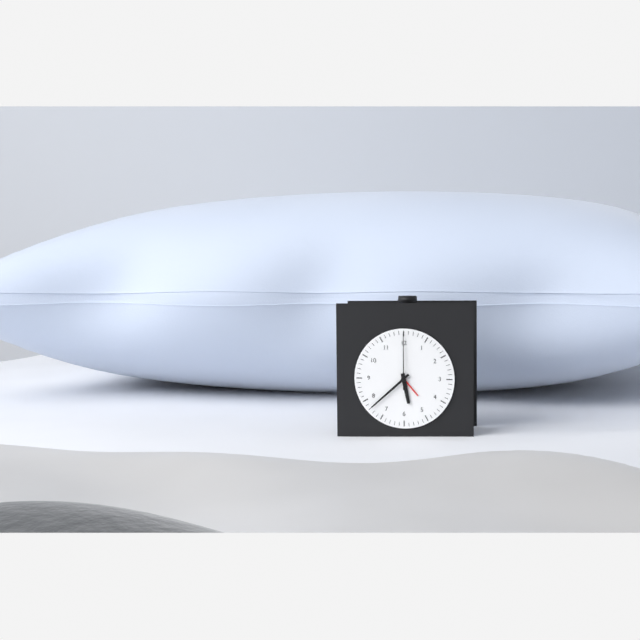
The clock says 5 h 38 min 00 s
